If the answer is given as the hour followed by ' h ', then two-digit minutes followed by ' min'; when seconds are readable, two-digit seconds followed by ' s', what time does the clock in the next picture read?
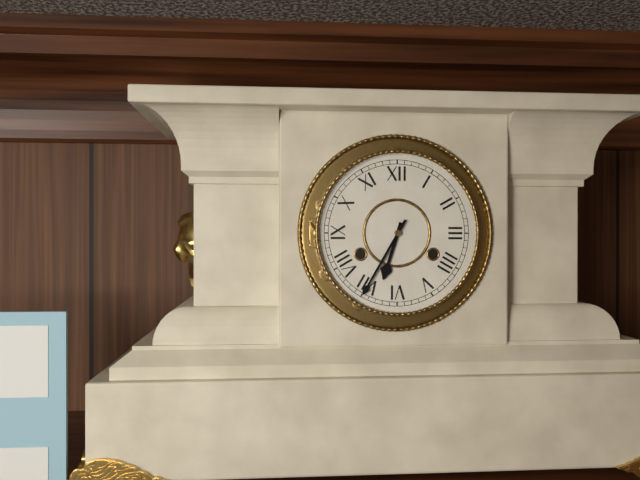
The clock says 6 h 35 min
